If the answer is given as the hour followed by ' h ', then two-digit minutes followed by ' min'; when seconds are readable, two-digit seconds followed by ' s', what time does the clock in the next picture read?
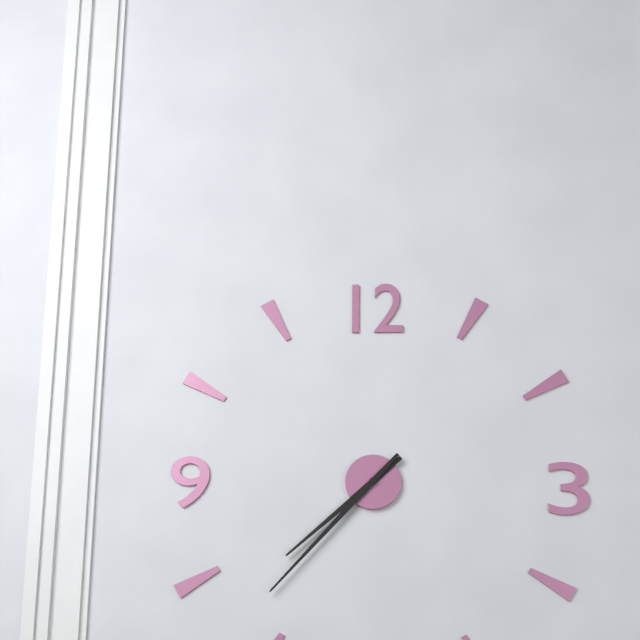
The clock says 7 h 37 min
